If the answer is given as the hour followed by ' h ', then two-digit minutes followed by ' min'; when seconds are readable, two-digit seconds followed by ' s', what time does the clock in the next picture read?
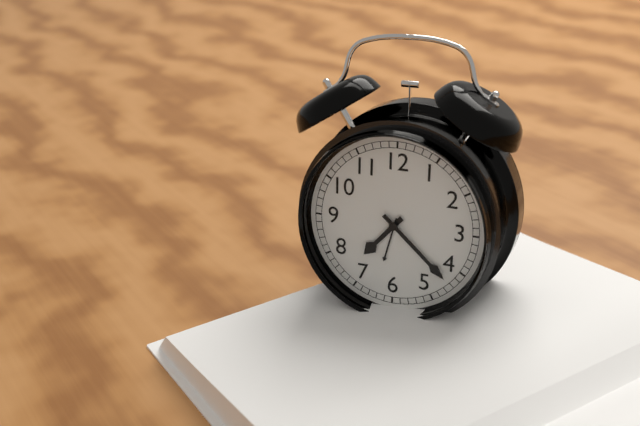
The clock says 7 h 22 min
